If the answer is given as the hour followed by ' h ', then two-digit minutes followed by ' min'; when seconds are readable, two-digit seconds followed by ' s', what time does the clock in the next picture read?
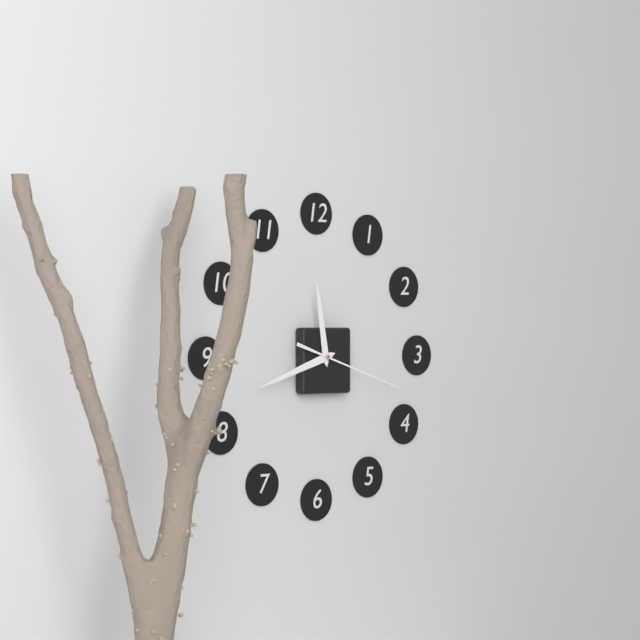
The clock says 11 h 42 min 18 s
